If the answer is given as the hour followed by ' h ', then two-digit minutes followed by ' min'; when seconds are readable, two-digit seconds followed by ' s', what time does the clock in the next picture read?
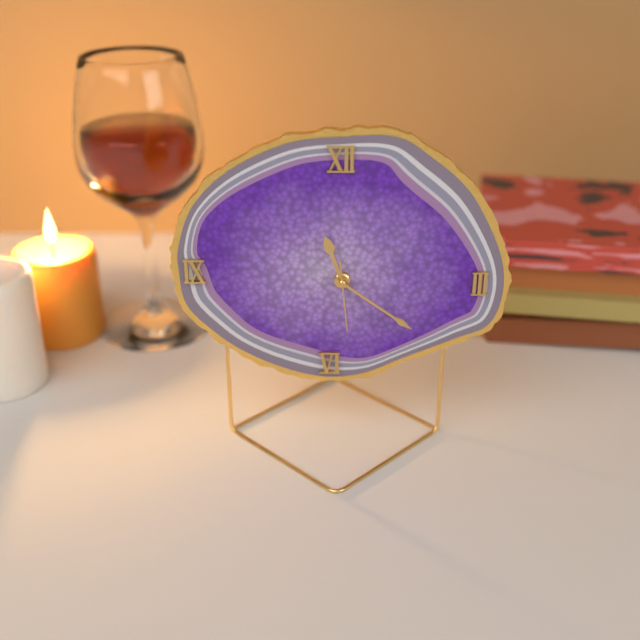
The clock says 11 h 21 min 29 s
